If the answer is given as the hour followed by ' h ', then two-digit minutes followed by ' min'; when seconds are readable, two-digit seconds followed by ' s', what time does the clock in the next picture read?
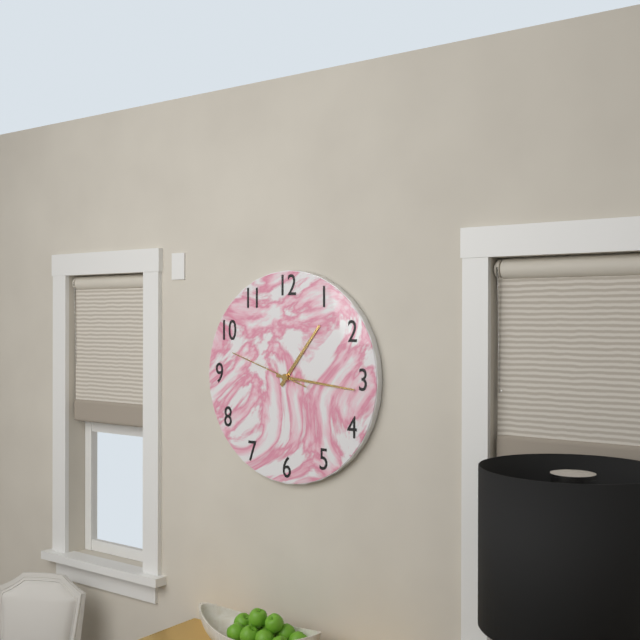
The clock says 1 h 16 min 48 s
